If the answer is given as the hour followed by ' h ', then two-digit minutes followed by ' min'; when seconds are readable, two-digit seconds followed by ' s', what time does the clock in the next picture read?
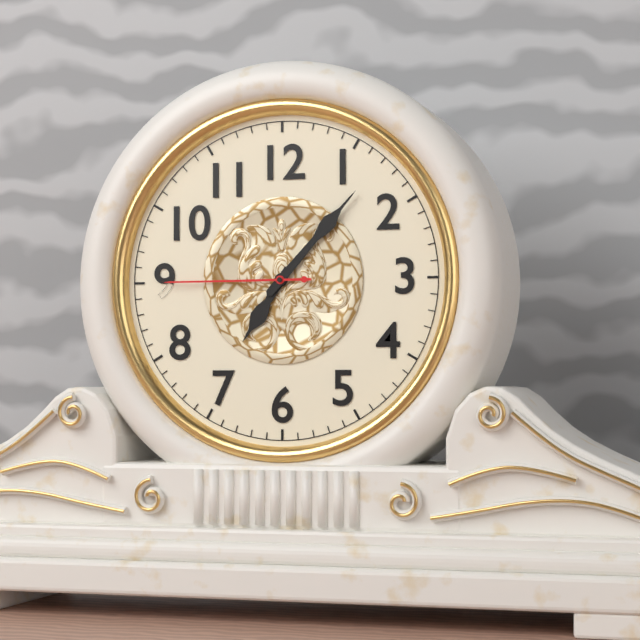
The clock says 7 h 07 min 45 s
